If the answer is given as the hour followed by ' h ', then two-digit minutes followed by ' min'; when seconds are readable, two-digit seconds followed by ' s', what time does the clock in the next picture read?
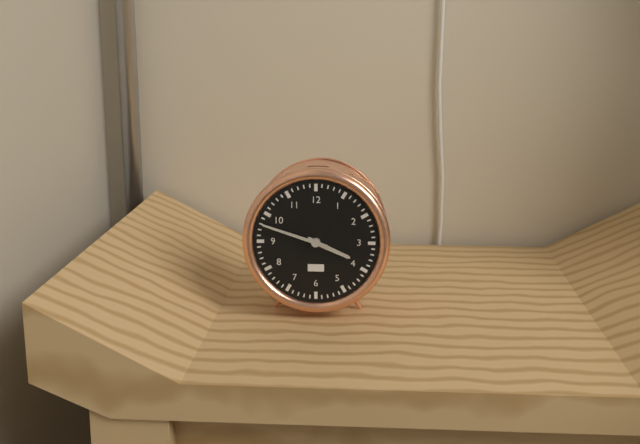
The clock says 3 h 48 min
